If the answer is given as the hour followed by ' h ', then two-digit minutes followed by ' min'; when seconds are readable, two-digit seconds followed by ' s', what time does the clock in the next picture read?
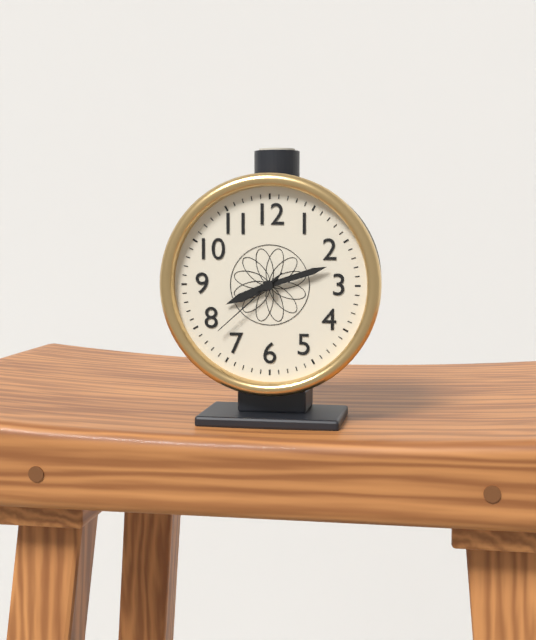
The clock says 8 h 12 min 38 s
